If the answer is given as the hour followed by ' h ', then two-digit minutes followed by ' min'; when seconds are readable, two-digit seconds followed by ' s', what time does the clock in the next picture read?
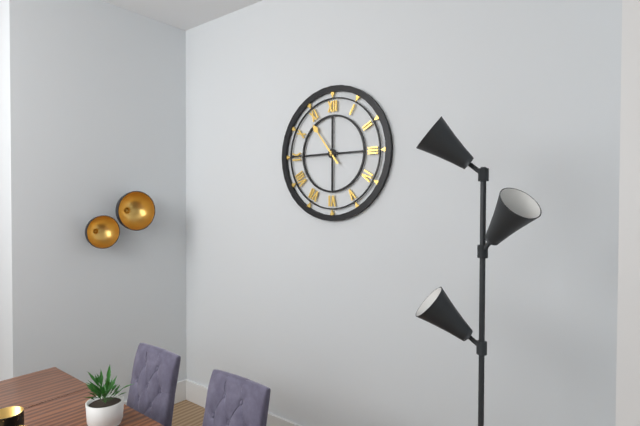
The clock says 10 h 45 min
